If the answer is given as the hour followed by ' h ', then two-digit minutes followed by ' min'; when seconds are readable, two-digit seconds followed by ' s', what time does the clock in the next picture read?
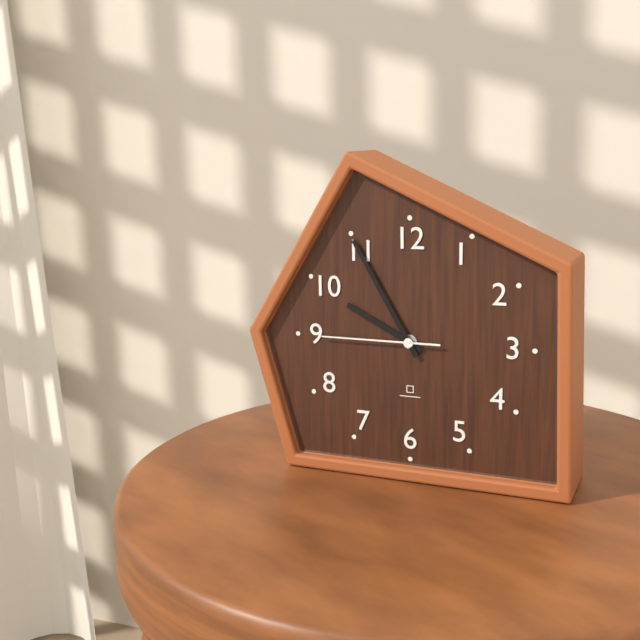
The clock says 9 h 55 min 45 s
